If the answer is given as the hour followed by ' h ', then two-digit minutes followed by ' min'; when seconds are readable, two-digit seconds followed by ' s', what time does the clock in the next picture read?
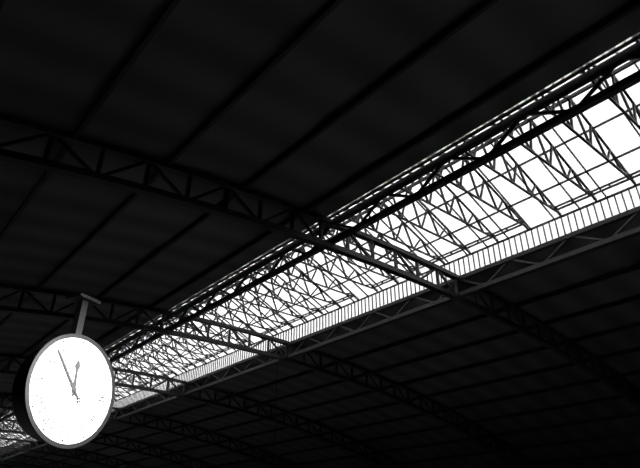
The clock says 11 h 53 min
